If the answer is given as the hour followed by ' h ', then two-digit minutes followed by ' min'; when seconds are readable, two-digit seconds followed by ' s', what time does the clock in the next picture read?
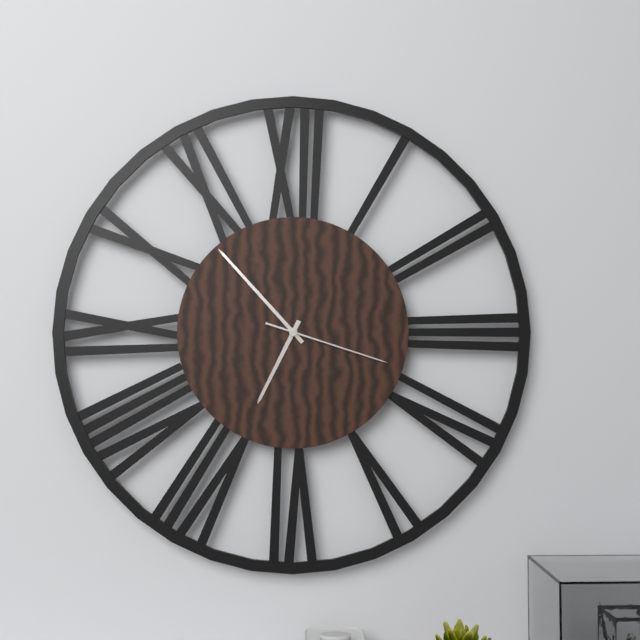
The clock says 6 h 53 min 18 s
